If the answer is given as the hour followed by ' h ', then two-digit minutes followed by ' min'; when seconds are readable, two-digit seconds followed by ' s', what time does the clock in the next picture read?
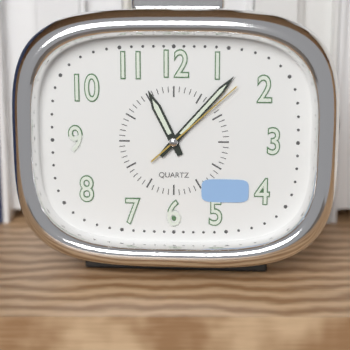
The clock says 11 h 07 min 08 s
